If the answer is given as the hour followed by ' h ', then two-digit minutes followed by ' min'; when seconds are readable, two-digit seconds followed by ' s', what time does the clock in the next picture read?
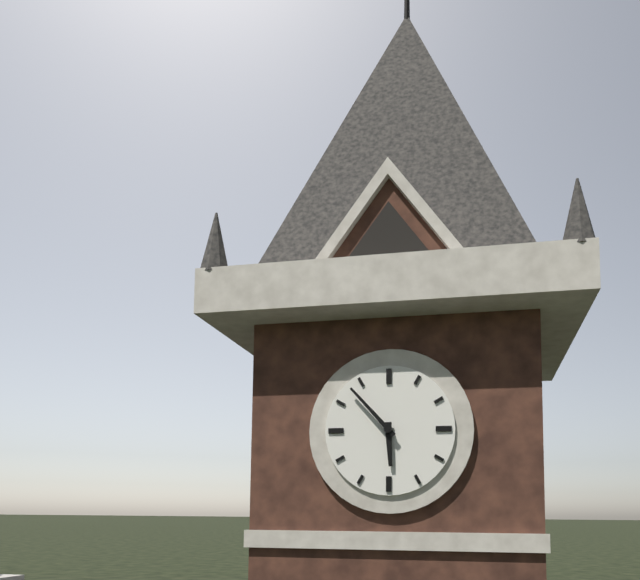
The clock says 5 h 53 min
